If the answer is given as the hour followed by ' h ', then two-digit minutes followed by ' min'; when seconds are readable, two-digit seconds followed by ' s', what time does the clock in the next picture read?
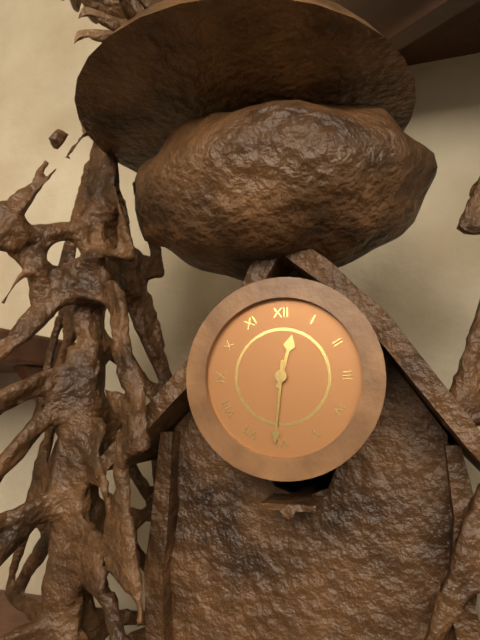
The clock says 12 h 31 min
